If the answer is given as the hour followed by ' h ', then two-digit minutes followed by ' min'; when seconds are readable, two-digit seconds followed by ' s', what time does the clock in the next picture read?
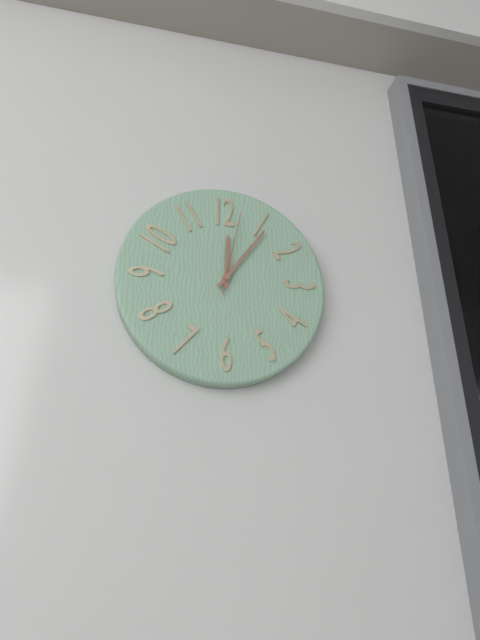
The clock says 12 h 06 min 02 s
